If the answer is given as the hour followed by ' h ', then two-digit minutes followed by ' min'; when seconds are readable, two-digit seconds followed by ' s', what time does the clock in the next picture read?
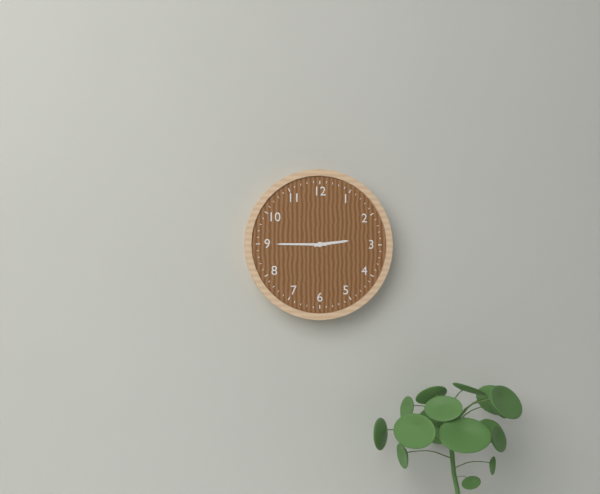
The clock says 2 h 45 min
